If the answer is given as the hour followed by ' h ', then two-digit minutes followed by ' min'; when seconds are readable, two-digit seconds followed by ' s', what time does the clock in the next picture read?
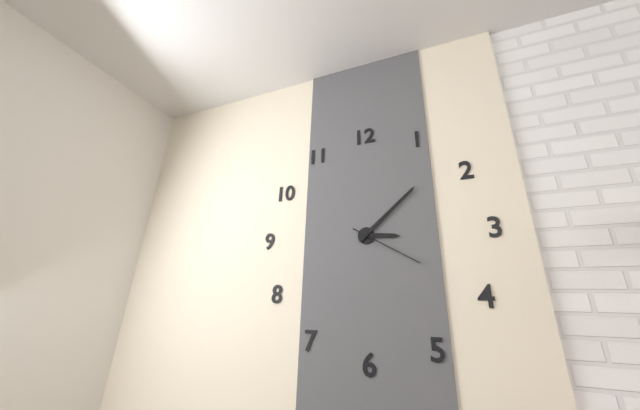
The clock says 3 h 08 min 20 s
